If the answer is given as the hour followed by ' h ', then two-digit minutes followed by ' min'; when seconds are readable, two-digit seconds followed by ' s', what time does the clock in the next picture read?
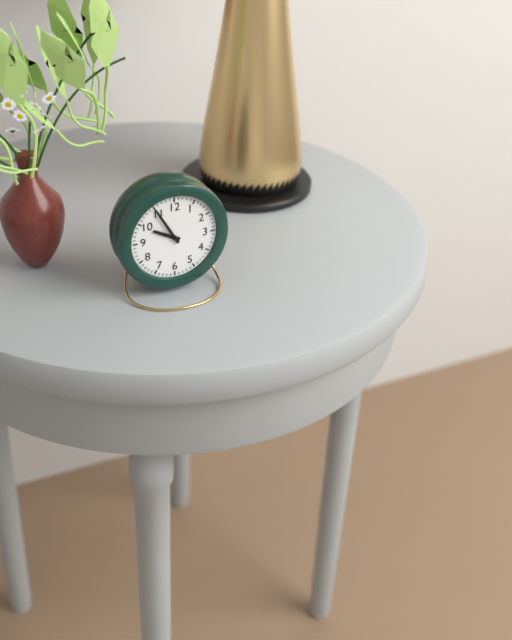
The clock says 9 h 55 min
